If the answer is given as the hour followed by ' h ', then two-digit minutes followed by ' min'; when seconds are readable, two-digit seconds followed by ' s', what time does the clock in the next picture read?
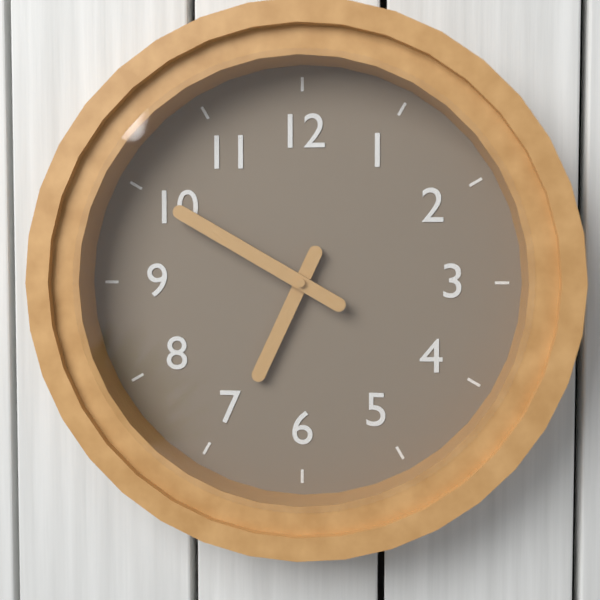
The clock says 6 h 50 min
